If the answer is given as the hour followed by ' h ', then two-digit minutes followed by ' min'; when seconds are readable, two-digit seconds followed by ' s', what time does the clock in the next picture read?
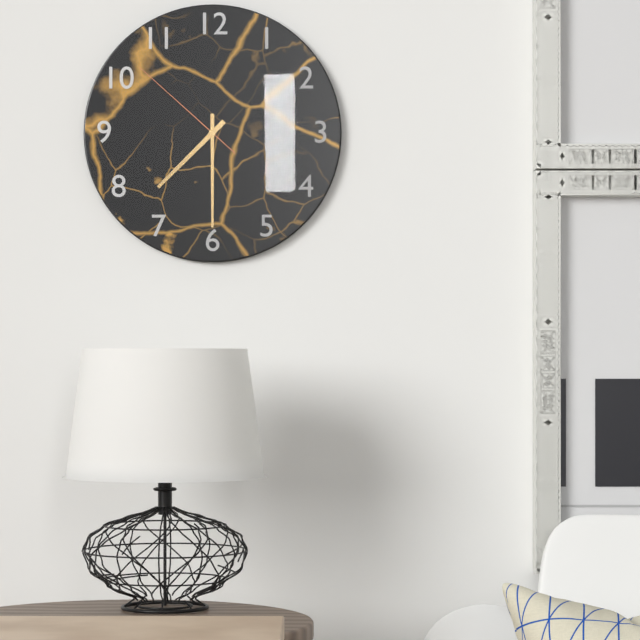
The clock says 7 h 30 min 52 s
